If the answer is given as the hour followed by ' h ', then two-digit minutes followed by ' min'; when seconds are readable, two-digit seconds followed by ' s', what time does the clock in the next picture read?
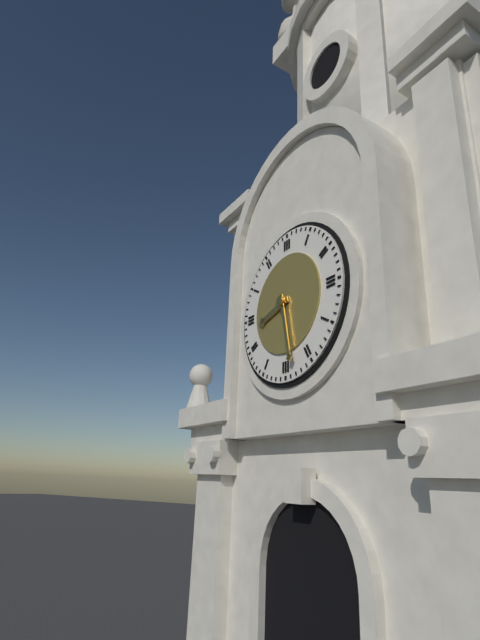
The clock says 8 h 28 min
